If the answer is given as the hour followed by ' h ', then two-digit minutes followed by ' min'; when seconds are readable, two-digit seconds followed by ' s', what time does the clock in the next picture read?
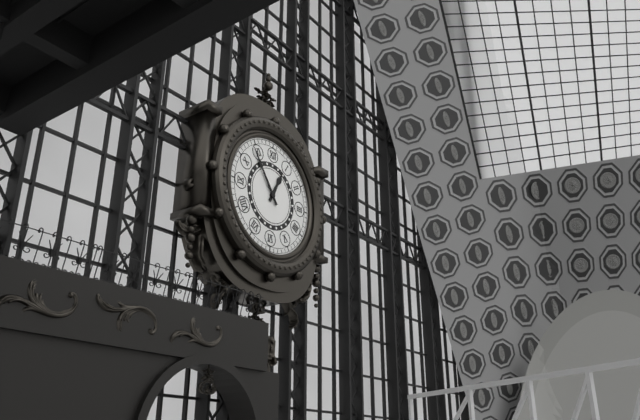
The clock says 12 h 54 min
